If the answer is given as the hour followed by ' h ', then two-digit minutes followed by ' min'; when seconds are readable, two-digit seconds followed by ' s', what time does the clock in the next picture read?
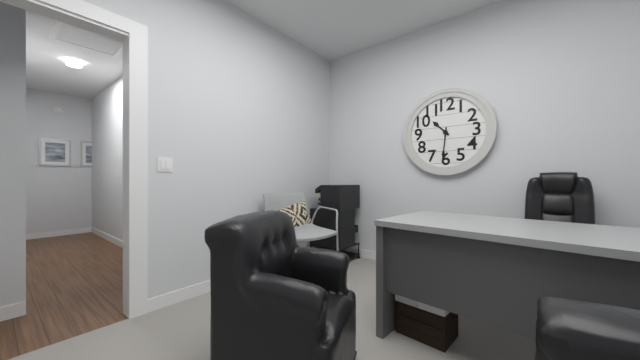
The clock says 10 h 31 min
